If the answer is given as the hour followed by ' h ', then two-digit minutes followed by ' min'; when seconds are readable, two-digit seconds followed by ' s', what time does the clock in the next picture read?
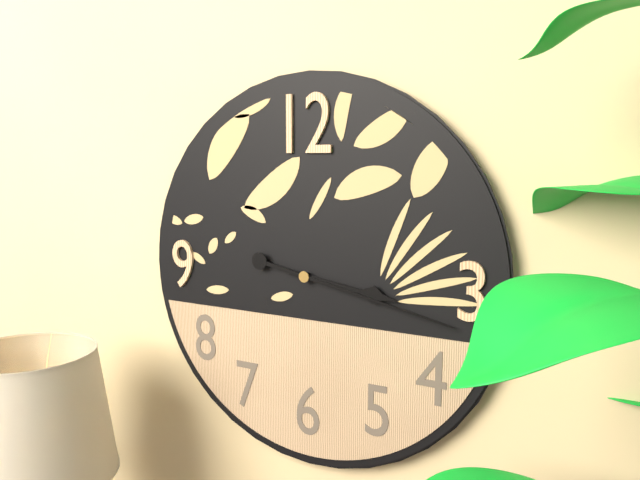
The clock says 3 h 17 min
